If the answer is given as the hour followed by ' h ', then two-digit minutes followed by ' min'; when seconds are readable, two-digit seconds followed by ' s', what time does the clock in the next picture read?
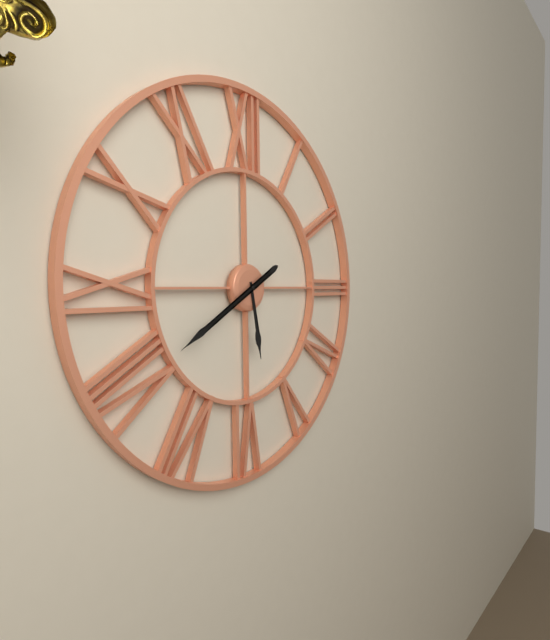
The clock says 5 h 40 min
